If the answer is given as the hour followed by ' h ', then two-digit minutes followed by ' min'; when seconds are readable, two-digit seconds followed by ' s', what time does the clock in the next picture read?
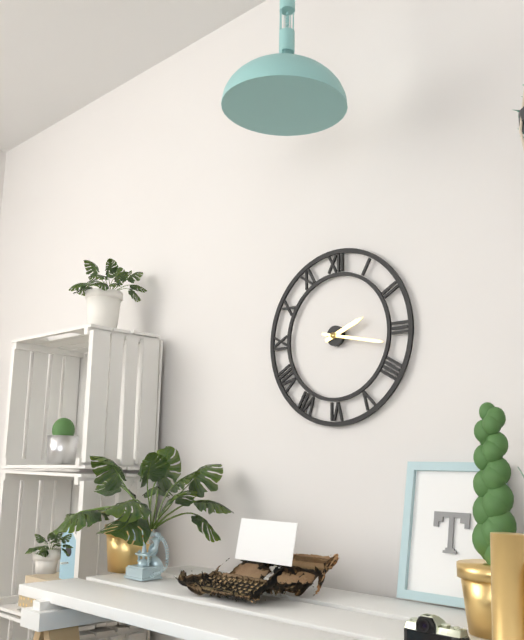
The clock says 2 h 17 min
